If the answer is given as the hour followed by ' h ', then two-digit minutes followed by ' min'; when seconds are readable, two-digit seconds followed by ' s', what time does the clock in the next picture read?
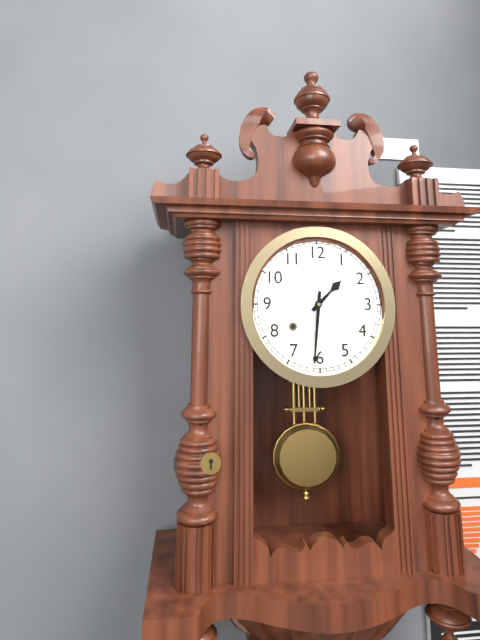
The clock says 1 h 31 min
